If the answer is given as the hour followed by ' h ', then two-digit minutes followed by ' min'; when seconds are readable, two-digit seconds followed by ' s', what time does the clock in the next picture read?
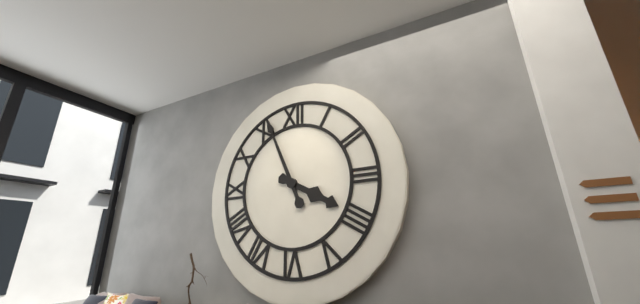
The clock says 3 h 56 min
